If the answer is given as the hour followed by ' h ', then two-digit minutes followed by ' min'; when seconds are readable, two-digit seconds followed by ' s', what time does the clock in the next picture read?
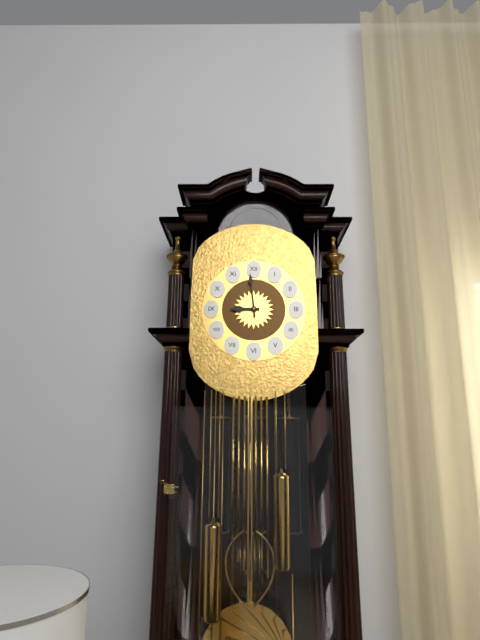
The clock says 8 h 59 min
